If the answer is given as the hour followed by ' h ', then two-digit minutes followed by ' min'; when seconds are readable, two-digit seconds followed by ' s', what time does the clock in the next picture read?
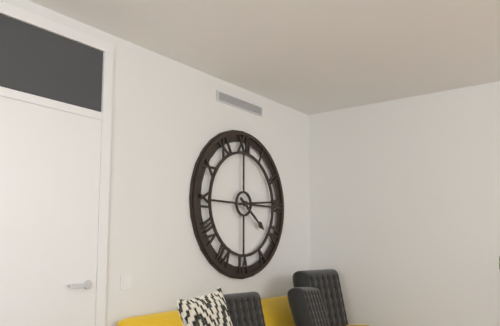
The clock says 4 h 14 min
